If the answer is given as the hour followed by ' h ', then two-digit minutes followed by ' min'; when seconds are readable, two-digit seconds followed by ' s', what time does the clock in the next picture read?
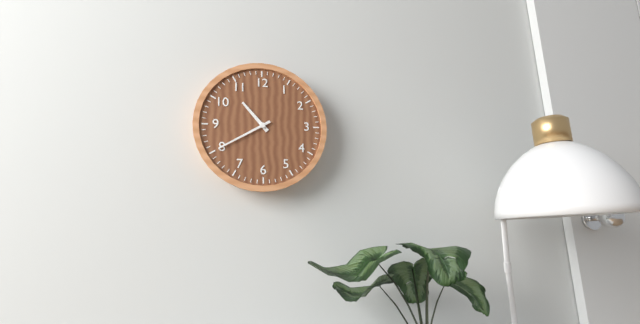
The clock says 10 h 40 min
